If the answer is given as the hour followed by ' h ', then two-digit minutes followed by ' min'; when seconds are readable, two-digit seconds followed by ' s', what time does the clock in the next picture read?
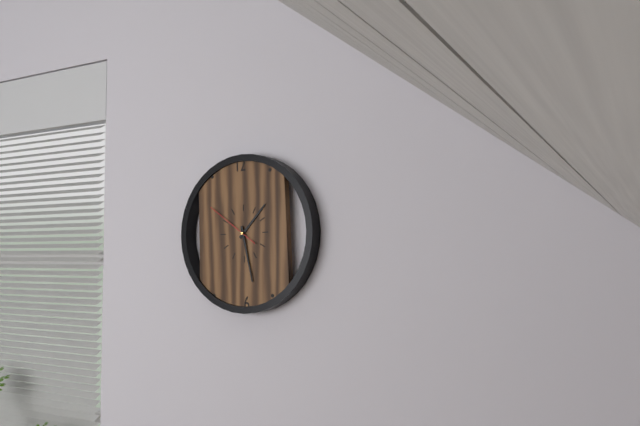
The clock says 1 h 28 min 51 s
